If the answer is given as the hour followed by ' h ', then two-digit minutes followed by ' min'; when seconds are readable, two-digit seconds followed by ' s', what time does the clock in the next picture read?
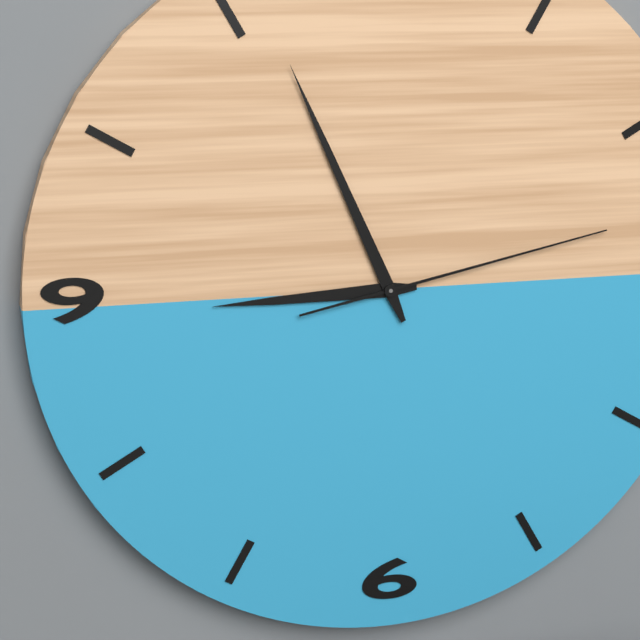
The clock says 8 h 56 min 13 s
